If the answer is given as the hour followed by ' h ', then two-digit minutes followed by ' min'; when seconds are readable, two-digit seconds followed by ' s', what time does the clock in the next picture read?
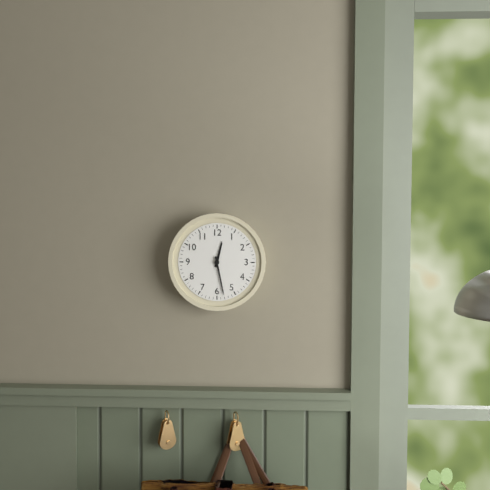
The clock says 12 h 28 min
